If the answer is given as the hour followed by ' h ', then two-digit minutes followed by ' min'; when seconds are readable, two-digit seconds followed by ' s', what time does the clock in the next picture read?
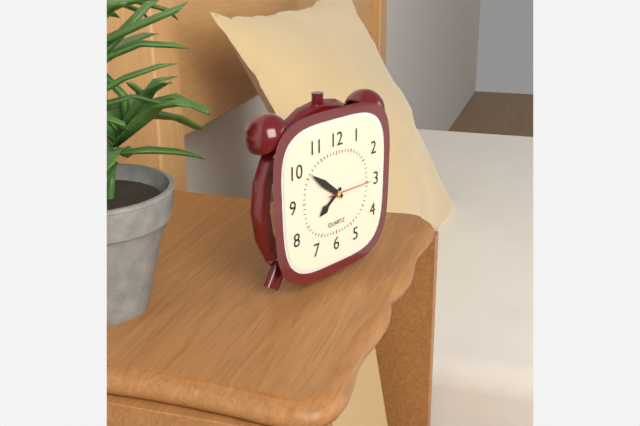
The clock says 7 h 51 min
